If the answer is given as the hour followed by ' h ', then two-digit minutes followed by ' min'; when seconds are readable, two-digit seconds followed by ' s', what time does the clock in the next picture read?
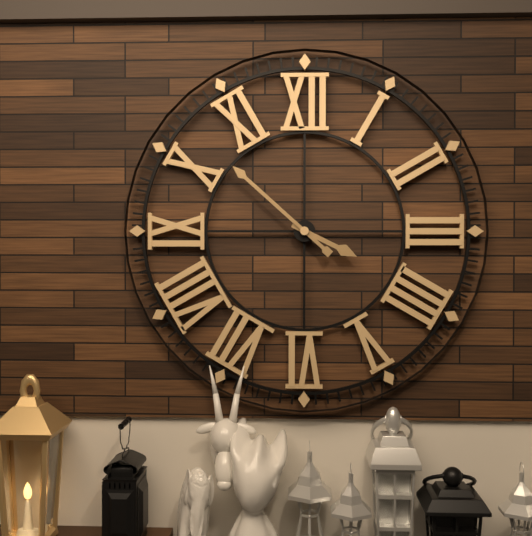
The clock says 3 h 52 min
